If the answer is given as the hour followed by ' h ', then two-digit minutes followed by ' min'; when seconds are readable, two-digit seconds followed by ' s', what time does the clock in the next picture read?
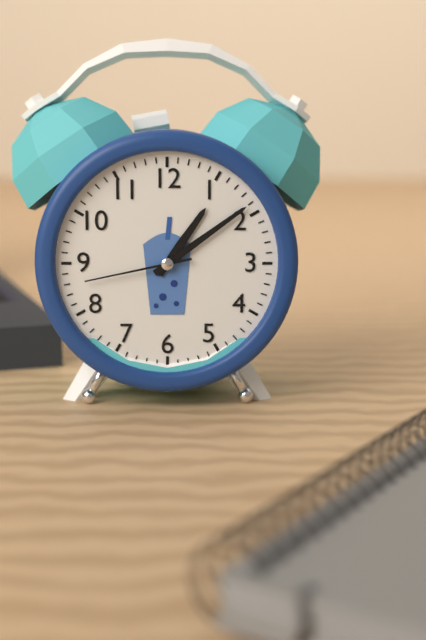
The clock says 1 h 09 min 43 s
